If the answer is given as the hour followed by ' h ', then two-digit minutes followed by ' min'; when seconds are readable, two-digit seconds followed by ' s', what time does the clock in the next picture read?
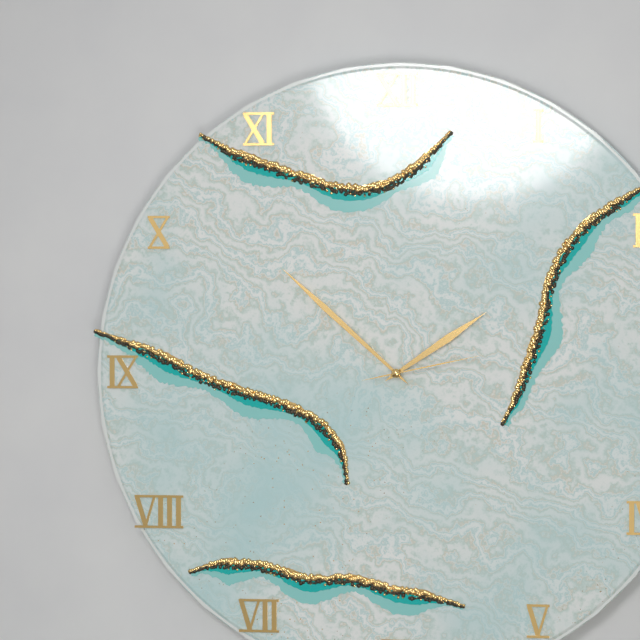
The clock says 1 h 52 min 13 s
